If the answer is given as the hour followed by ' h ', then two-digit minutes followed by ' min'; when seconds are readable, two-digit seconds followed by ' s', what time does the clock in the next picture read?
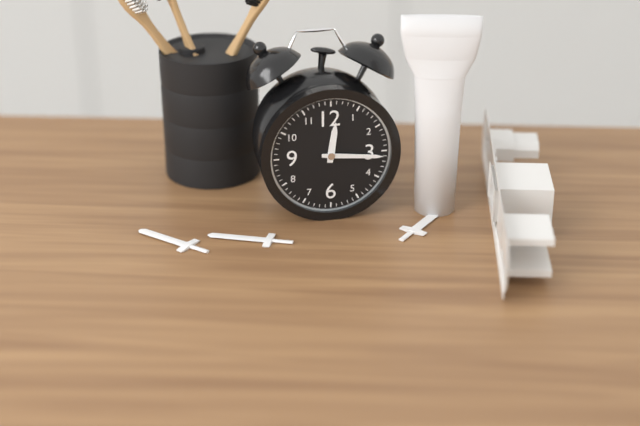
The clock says 12 h 16 min
